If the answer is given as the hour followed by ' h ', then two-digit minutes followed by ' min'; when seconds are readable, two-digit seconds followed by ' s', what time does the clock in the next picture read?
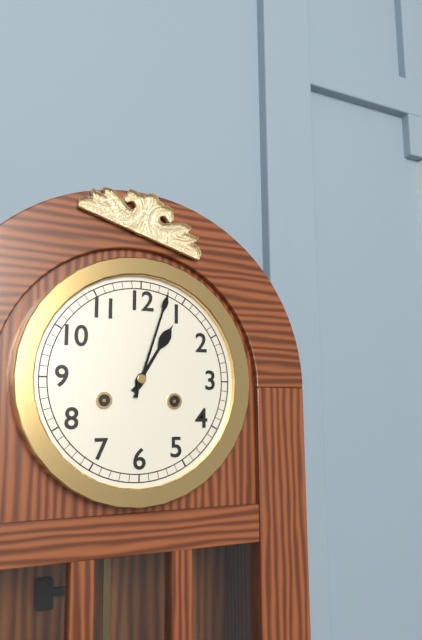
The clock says 1 h 03 min
